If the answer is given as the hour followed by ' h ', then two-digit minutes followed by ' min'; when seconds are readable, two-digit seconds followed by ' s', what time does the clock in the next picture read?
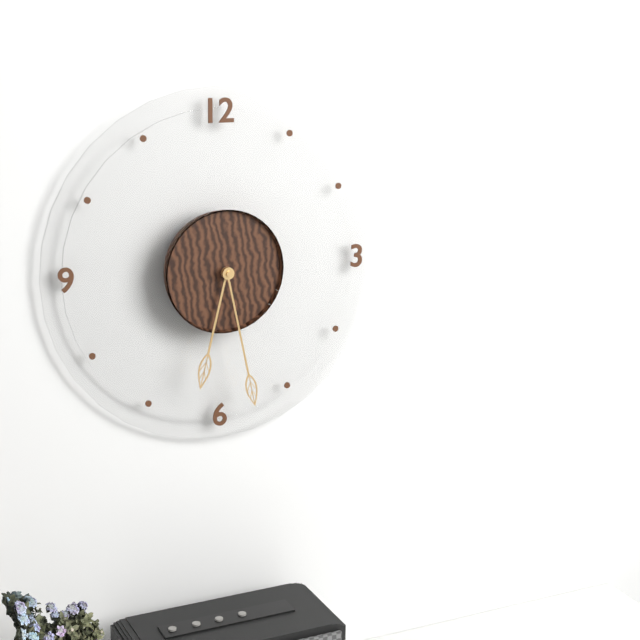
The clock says 6 h 28 min
